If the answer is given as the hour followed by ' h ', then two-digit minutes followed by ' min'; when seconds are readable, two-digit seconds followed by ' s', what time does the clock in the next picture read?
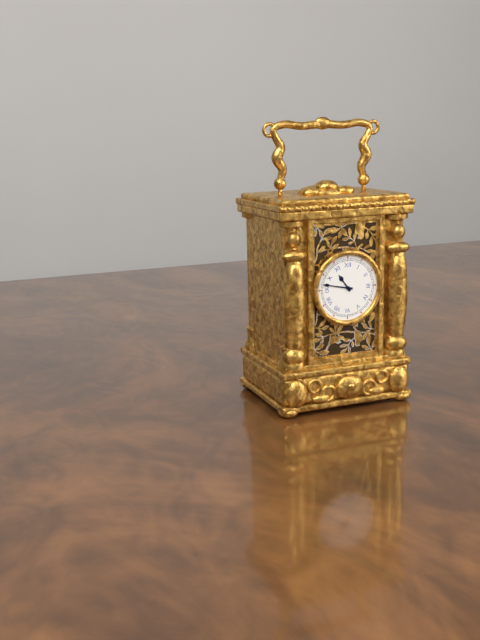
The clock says 10 h 47 min
